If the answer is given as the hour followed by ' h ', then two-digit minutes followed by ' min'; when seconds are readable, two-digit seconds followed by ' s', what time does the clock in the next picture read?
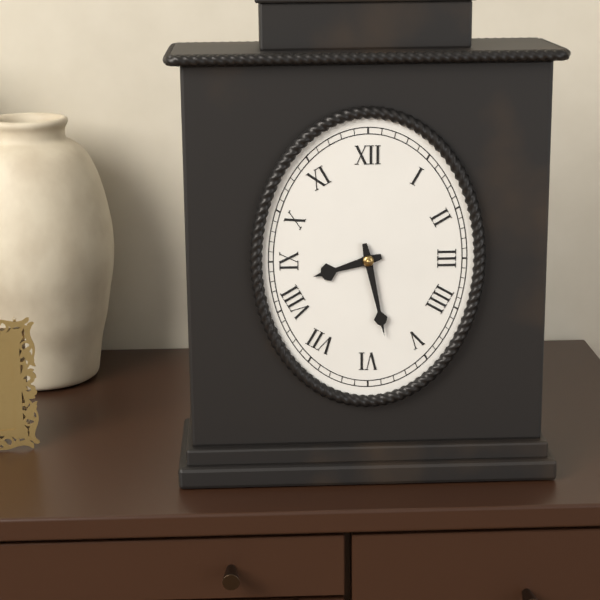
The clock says 8 h 28 min
